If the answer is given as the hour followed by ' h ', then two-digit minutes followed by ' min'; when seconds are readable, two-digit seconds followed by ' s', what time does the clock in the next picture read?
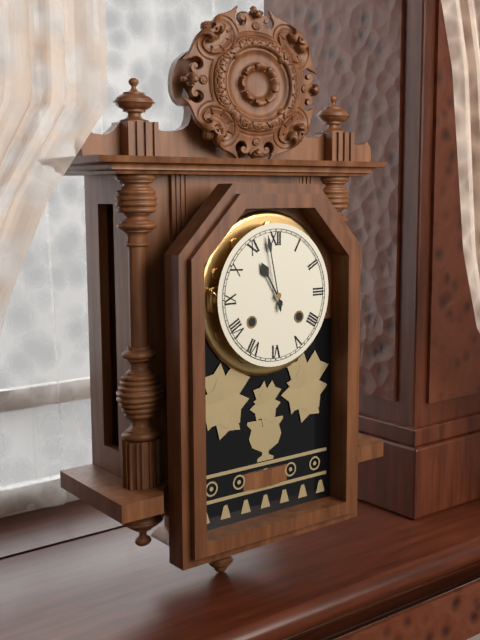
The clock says 10 h 58 min
